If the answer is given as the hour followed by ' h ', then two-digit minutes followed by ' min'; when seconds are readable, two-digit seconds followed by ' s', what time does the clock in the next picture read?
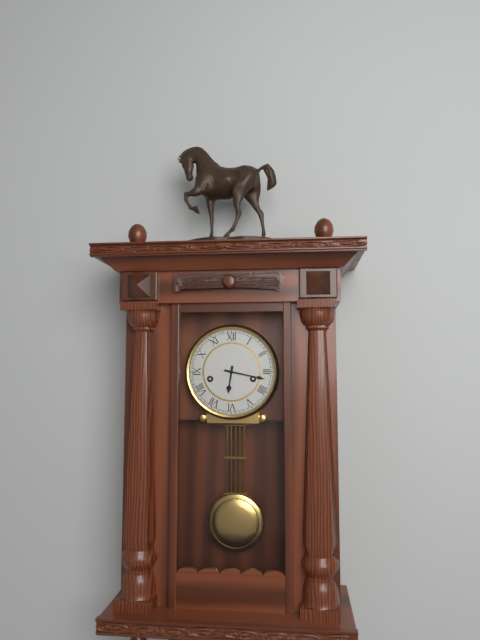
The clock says 6 h 17 min
